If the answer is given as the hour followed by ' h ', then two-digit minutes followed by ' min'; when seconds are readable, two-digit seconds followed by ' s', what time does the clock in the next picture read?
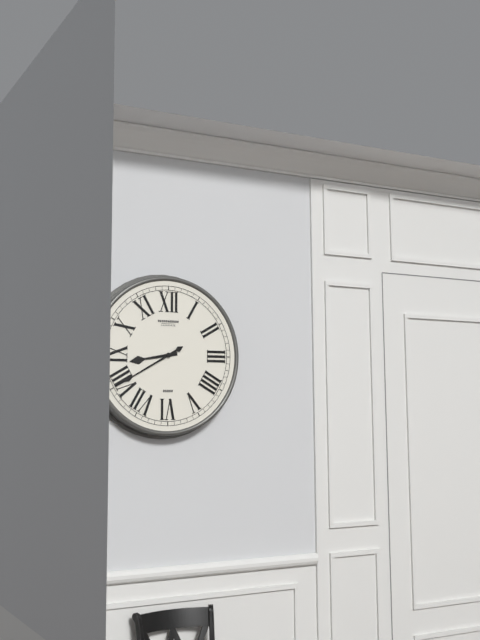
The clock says 8 h 40 min
